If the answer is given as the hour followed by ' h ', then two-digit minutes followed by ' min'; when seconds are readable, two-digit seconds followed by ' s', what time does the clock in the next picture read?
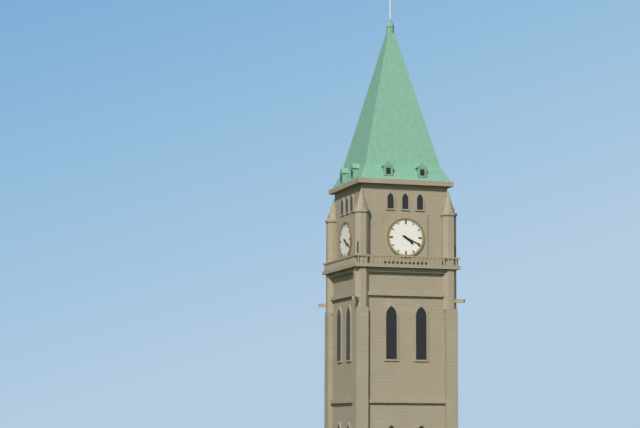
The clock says 4 h 19 min
